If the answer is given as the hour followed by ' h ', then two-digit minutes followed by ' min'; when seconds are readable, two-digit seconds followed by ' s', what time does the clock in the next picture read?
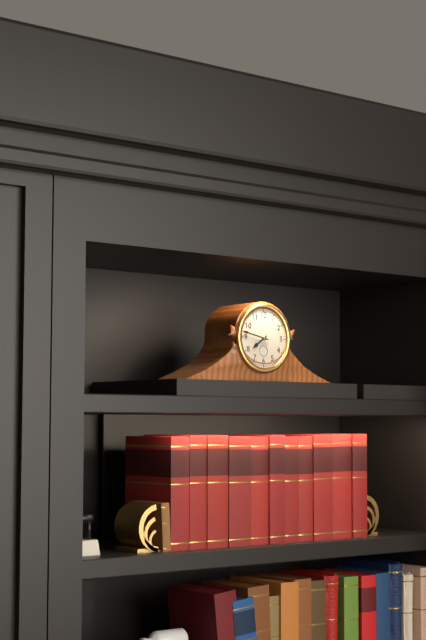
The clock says 7 h 47 min
